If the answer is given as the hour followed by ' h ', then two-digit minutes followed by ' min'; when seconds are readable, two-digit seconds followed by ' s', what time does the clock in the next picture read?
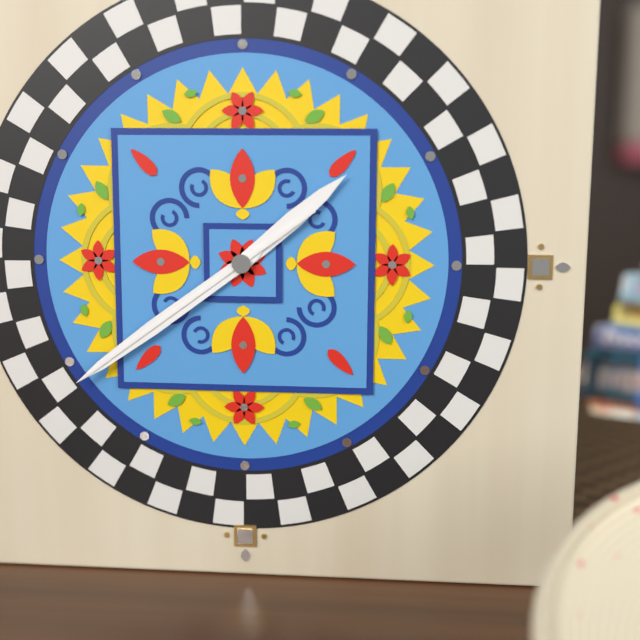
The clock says 1 h 39 min 39 s
